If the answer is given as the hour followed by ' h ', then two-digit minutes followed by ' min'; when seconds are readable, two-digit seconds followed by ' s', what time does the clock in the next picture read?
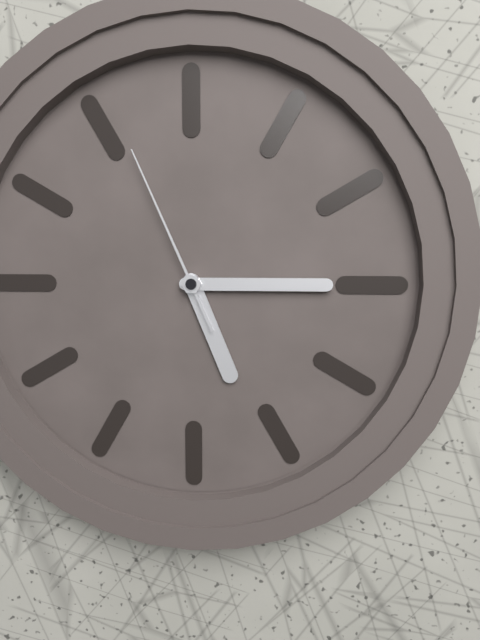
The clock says 5 h 15 min 56 s
